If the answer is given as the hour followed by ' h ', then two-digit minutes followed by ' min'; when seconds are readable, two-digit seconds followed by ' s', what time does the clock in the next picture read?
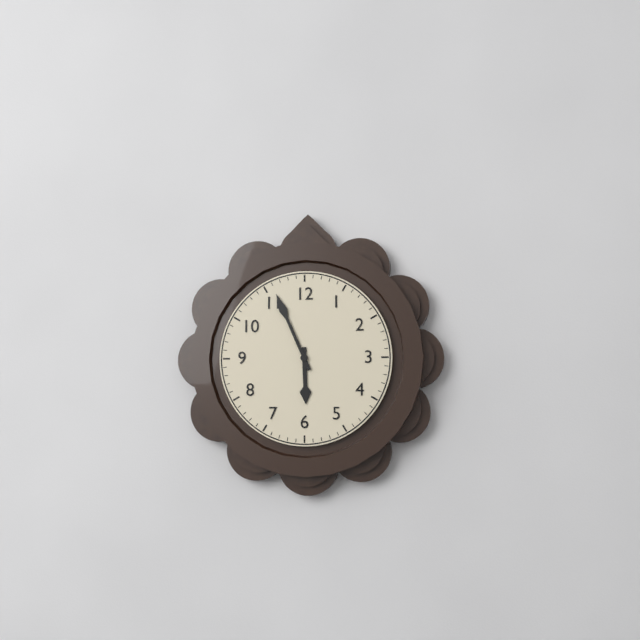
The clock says 5 h 56 min
